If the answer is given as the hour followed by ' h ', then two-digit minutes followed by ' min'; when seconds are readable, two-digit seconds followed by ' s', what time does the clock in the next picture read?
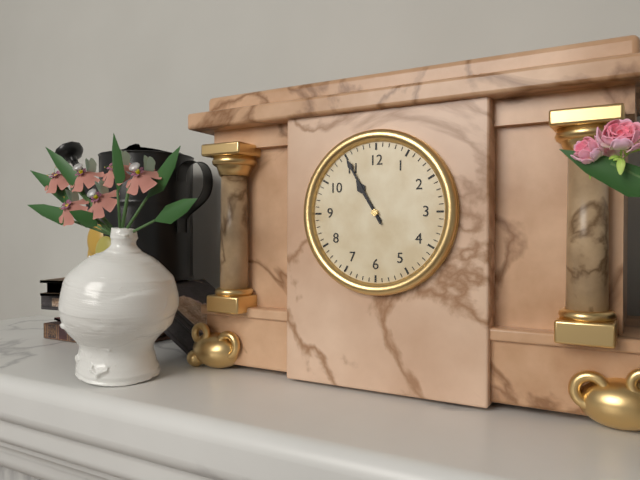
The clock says 10 h 55 min
